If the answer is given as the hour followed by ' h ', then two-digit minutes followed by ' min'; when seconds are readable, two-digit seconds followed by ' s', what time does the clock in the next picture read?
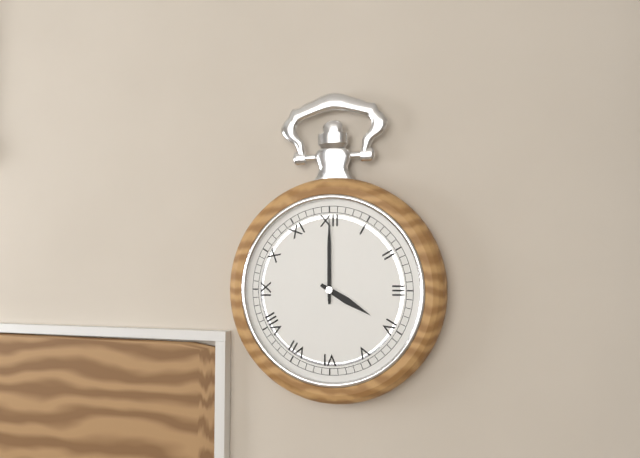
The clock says 4 h 00 min
